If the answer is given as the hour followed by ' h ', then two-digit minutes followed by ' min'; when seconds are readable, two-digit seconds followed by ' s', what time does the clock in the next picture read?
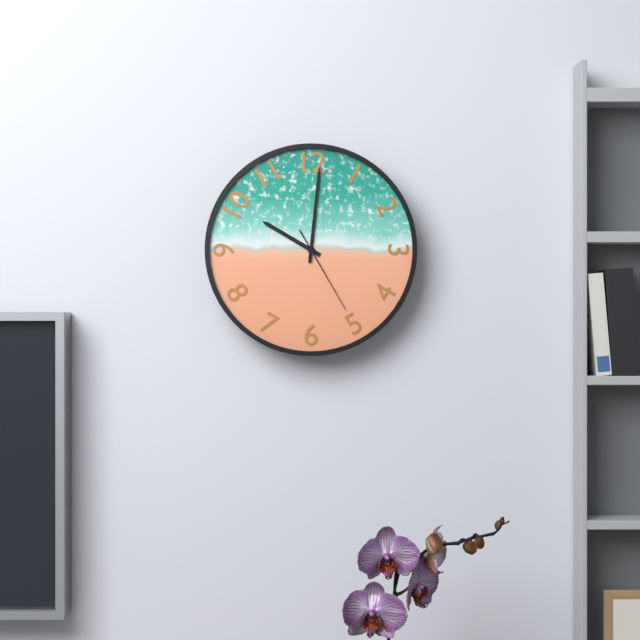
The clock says 10 h 01 min 25 s
